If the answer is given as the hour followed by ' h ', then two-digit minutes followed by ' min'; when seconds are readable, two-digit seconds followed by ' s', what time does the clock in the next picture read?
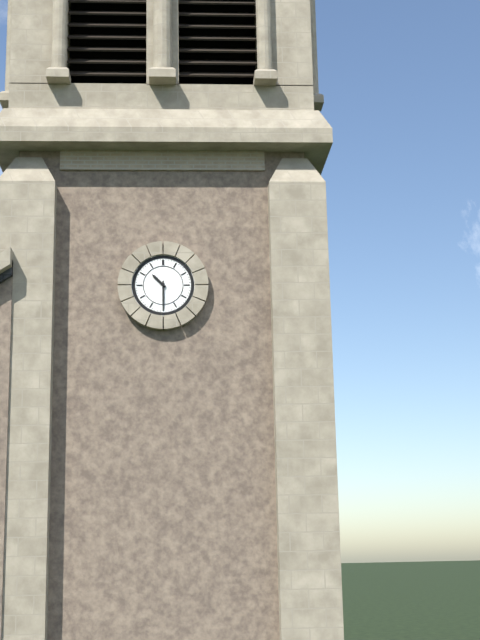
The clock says 10 h 30 min
